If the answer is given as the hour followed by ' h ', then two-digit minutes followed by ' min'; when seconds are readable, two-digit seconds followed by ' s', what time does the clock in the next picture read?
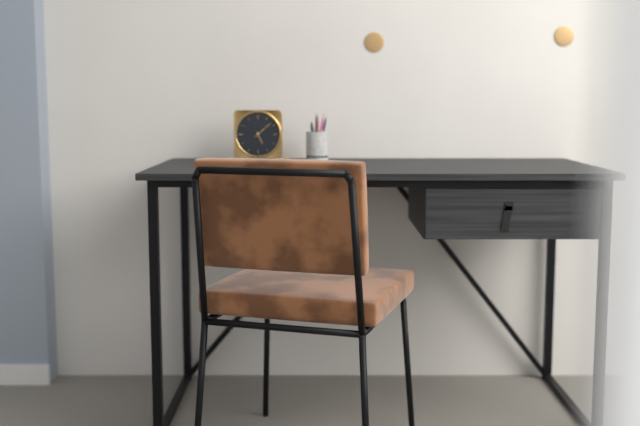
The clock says 5 h 08 min
